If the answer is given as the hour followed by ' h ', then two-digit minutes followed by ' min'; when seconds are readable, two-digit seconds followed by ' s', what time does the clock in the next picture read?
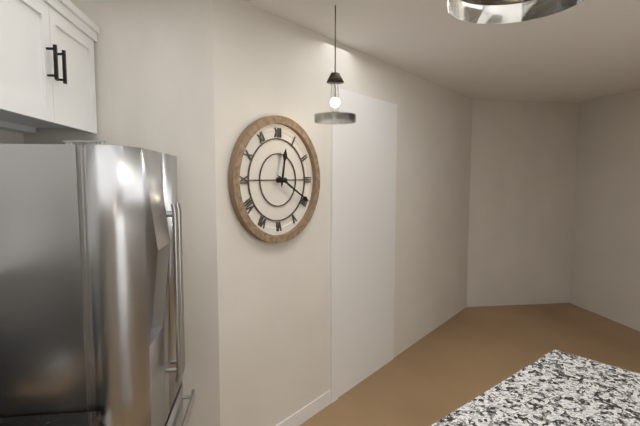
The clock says 12 h 20 min
